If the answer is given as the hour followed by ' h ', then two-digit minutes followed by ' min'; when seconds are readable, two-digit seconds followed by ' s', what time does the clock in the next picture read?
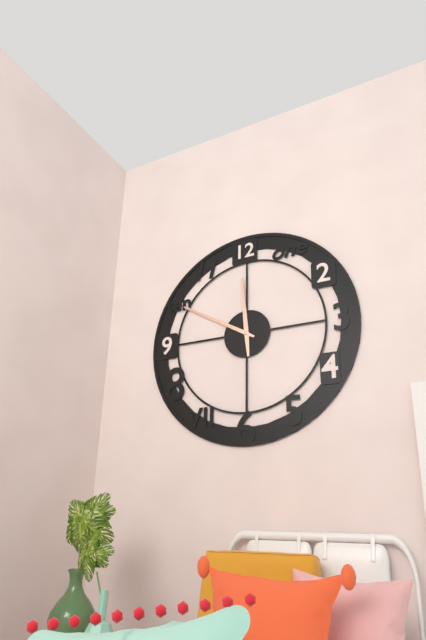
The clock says 11 h 50 min
